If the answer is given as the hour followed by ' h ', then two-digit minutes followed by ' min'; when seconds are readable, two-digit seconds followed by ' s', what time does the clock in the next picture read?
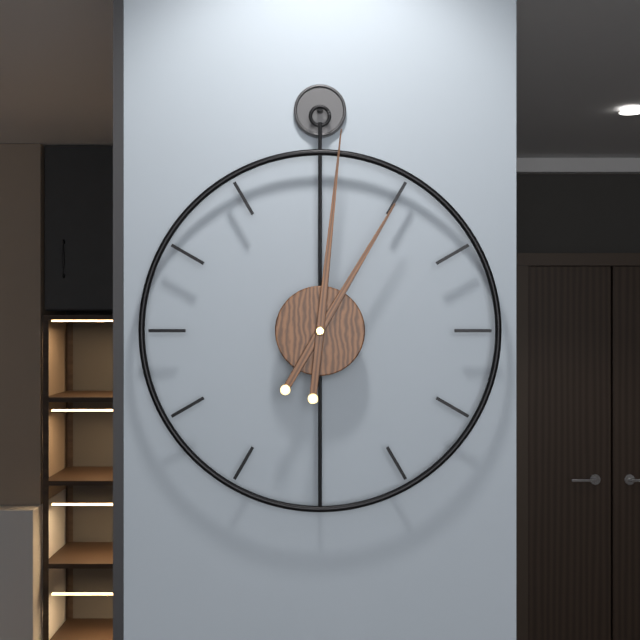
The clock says 1 h 01 min
